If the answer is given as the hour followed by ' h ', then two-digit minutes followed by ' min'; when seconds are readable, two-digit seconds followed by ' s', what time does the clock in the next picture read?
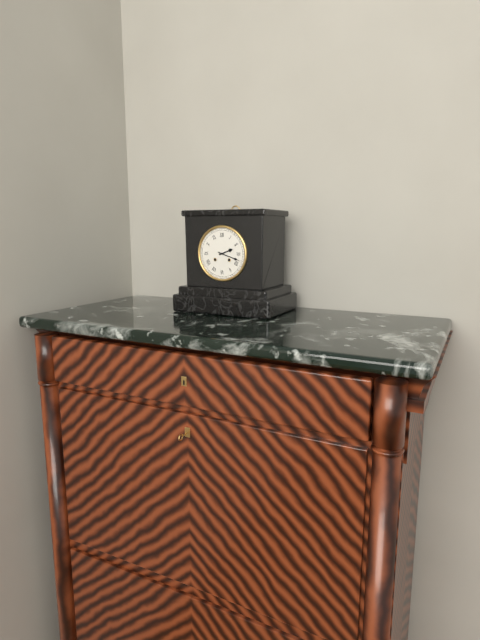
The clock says 2 h 18 min
